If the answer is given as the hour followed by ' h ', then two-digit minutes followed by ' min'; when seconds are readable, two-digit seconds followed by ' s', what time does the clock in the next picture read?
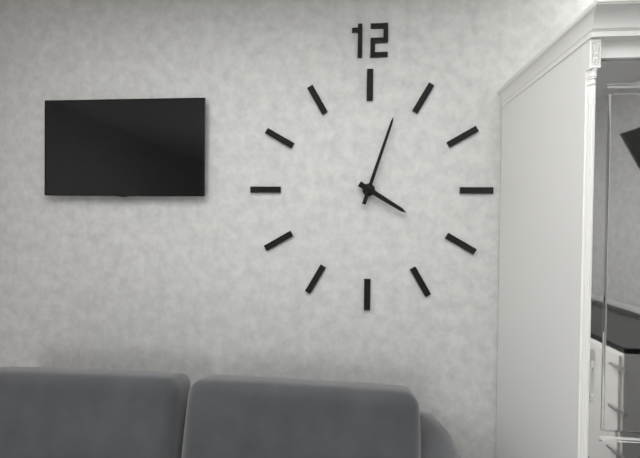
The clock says 4 h 03 min
